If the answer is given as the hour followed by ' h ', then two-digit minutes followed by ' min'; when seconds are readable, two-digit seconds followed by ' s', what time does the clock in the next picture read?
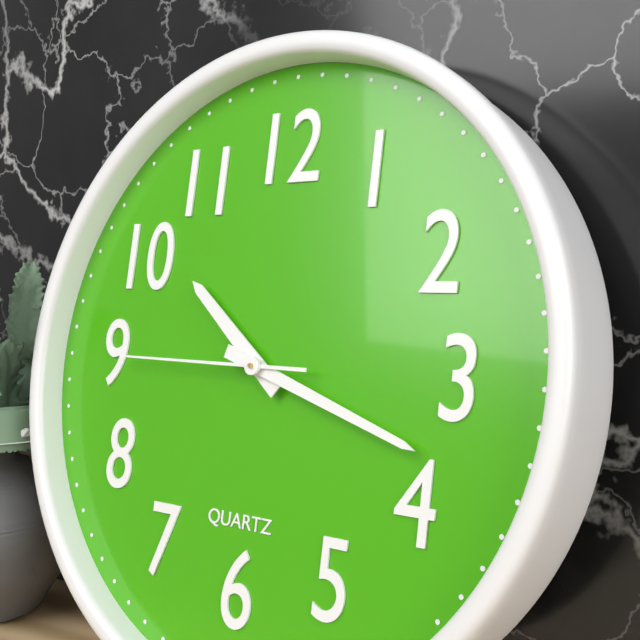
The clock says 10 h 18 min 45 s
